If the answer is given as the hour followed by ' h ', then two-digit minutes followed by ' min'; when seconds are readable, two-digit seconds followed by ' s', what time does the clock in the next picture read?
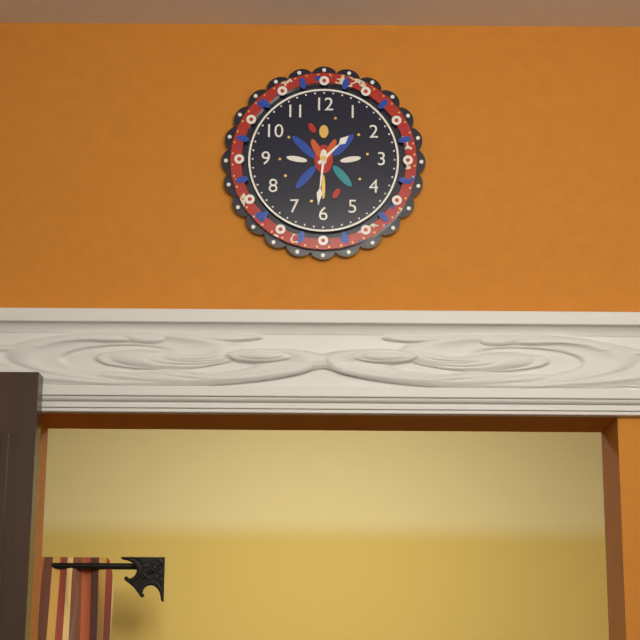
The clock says 1 h 31 min
